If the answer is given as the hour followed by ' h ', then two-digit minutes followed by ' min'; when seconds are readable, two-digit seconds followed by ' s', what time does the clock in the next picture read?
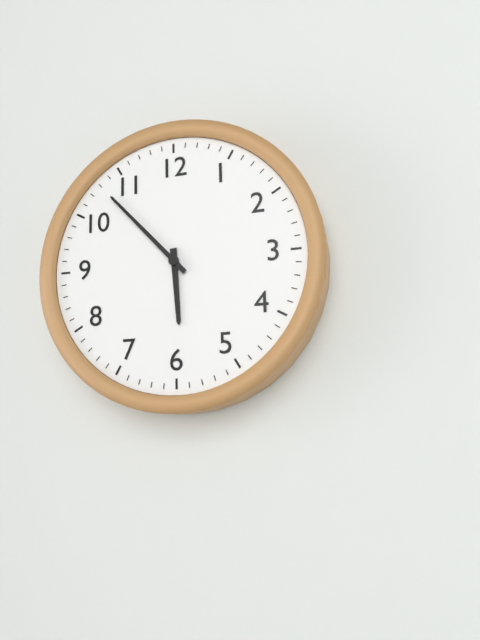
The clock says 5 h 53 min
